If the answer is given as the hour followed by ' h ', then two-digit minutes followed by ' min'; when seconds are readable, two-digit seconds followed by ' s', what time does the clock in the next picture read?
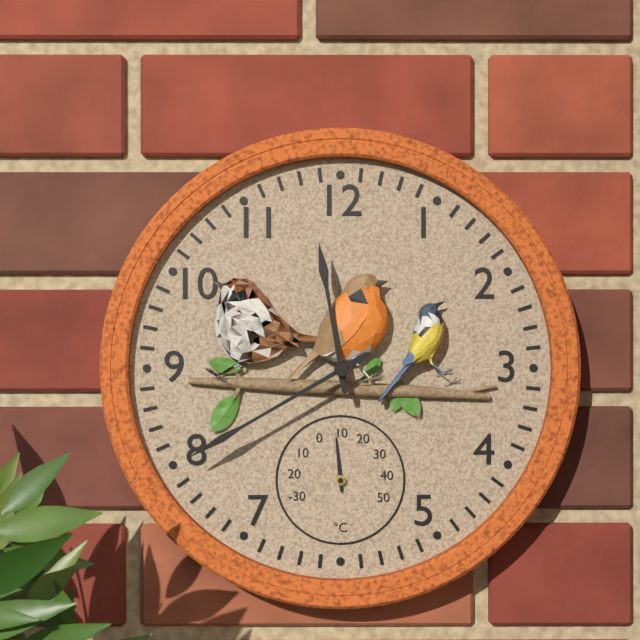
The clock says 11 h 40 min
